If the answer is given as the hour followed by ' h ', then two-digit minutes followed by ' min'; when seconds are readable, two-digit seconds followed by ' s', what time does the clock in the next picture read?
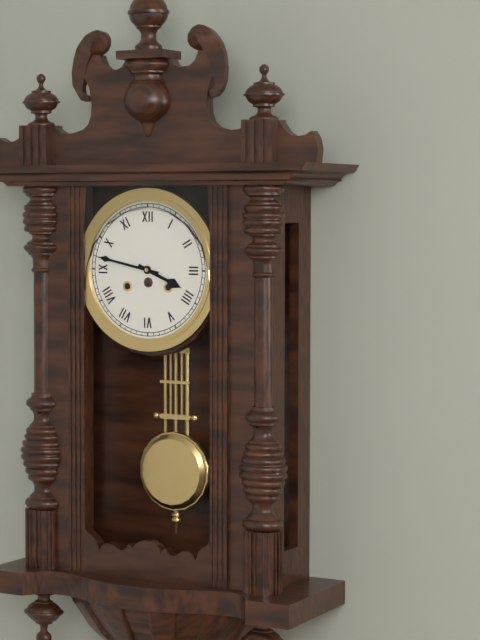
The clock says 3 h 47 min
